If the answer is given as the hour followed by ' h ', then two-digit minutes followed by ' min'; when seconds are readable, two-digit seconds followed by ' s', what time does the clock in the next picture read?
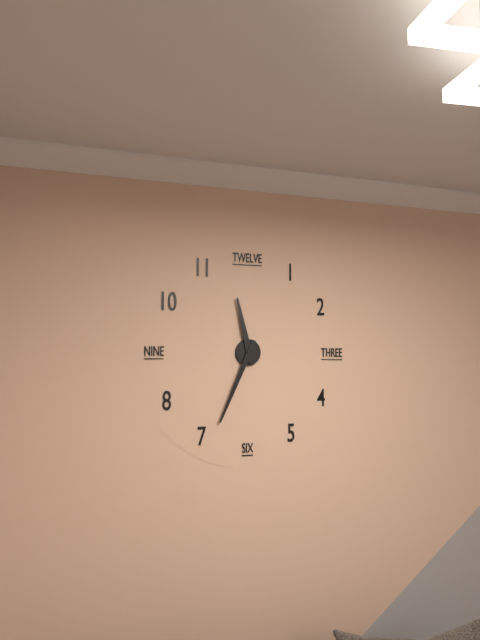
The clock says 11 h 34 min
